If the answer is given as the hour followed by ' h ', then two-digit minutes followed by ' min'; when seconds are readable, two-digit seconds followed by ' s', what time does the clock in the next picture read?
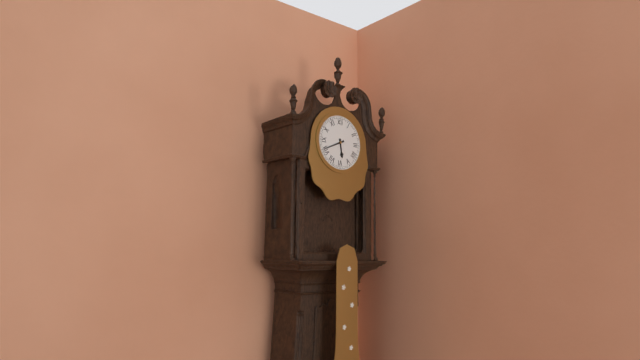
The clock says 5 h 41 min
